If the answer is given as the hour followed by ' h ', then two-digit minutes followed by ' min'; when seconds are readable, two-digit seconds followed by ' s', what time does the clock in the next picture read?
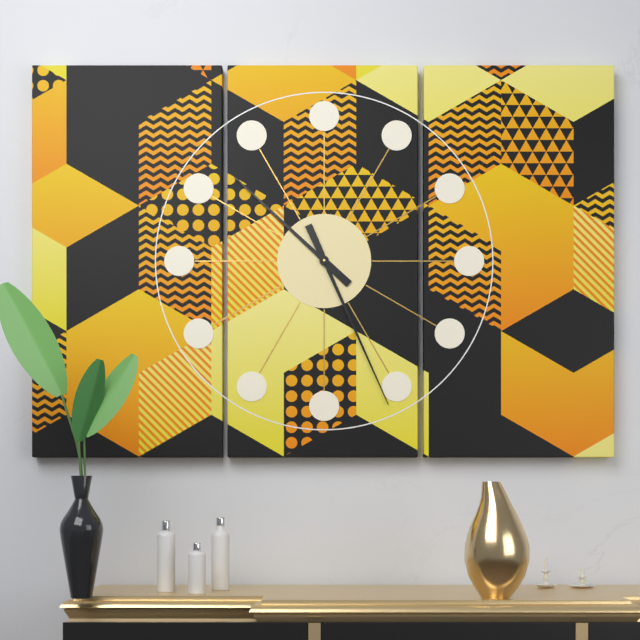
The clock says 10 h 26 min
